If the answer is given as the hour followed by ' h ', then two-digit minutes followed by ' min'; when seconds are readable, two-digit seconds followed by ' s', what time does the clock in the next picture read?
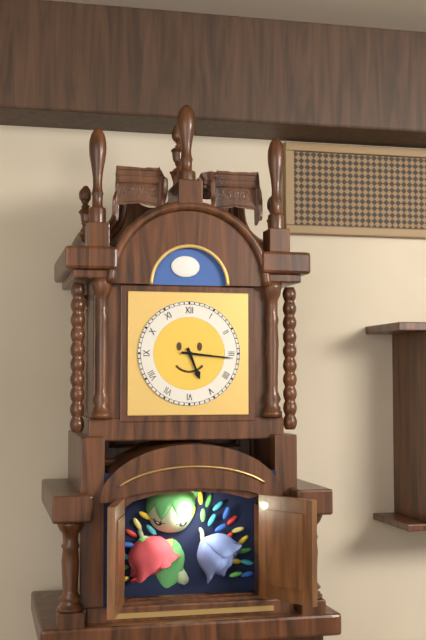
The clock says 5 h 16 min
